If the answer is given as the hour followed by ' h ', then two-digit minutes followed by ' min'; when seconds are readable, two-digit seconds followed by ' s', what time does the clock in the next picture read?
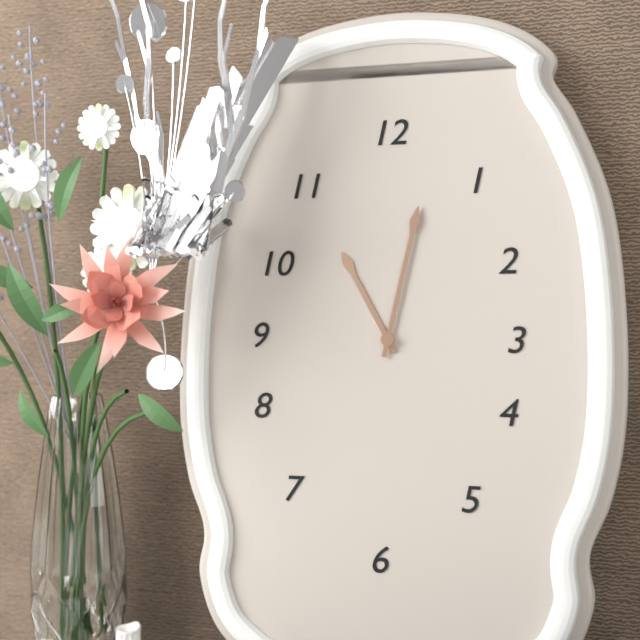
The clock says 11 h 02 min
